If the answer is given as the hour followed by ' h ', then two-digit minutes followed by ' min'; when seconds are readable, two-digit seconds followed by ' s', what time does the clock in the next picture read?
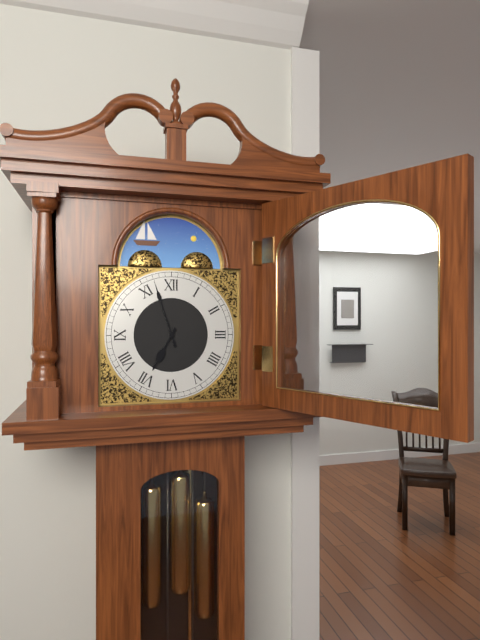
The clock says 6 h 57 min
